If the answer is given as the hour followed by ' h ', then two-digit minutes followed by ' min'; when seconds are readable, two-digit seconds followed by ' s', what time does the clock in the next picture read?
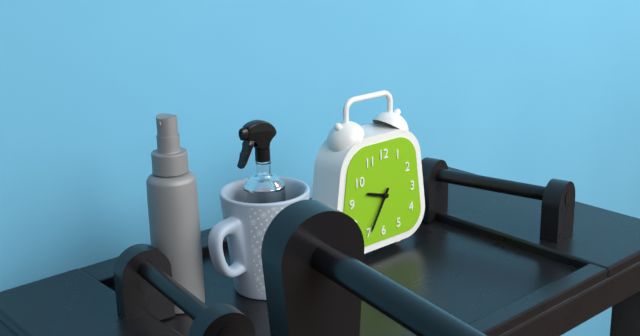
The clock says 9 h 35 min
